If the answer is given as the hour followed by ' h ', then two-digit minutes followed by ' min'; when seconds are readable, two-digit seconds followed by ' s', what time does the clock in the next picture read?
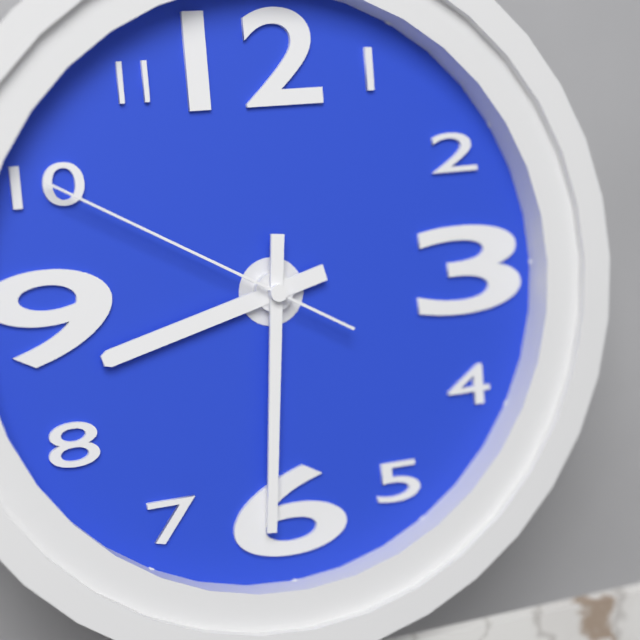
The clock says 8 h 31 min 50 s
